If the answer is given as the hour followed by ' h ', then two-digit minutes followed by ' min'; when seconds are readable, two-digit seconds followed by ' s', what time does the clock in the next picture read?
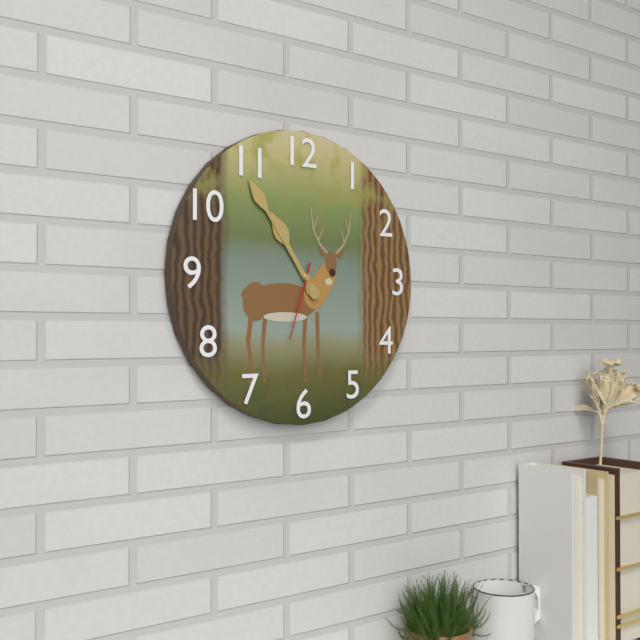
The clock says 10 h 54 min 33 s
